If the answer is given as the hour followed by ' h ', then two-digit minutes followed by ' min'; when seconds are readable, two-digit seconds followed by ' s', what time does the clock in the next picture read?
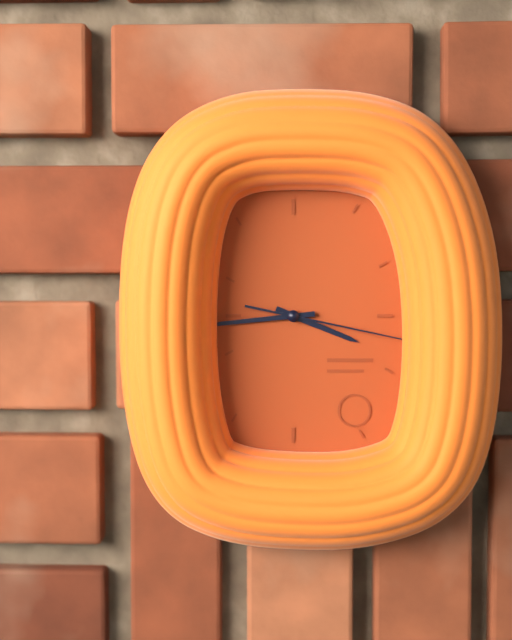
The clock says 3 h 44 min 17 s
